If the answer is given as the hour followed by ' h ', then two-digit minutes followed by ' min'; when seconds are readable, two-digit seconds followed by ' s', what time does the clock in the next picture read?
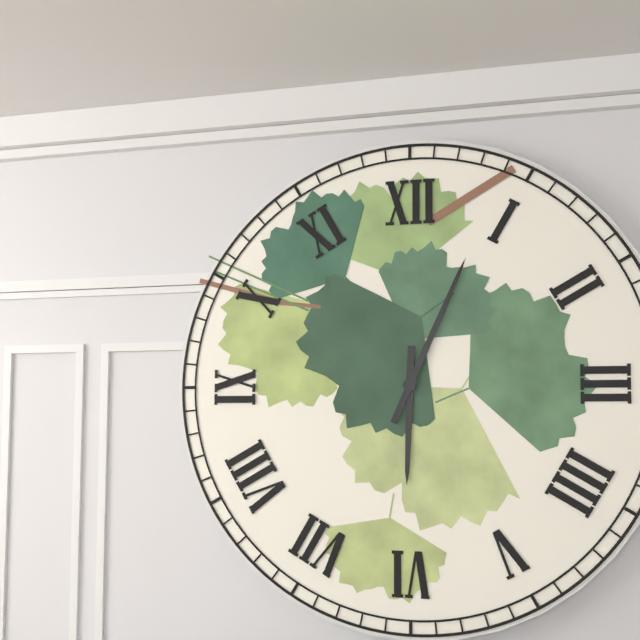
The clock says 6 h 04 min
